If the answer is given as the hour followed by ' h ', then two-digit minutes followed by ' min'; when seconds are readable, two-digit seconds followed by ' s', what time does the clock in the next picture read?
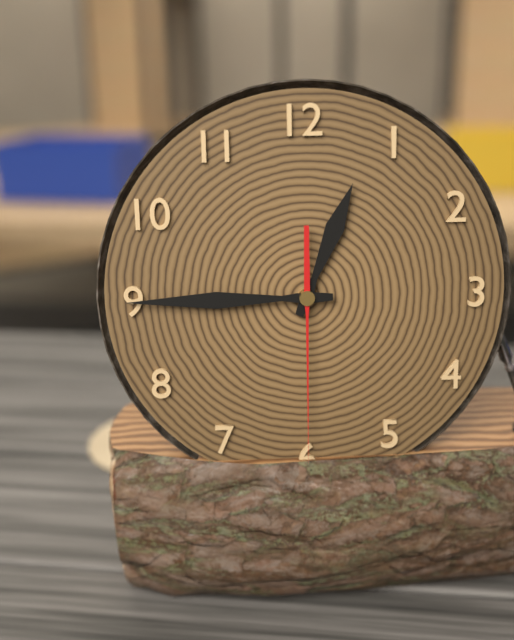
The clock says 12 h 45 min 30 s
